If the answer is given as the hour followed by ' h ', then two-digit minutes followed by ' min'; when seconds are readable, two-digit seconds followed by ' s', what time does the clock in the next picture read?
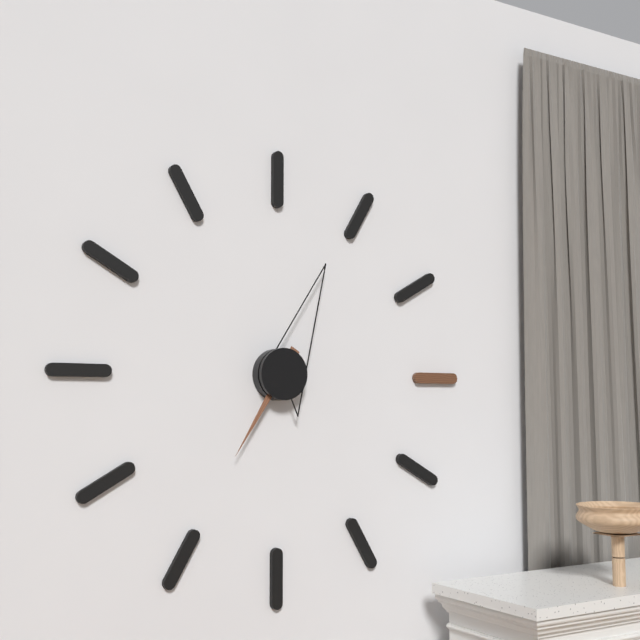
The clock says 7 h 04 min
